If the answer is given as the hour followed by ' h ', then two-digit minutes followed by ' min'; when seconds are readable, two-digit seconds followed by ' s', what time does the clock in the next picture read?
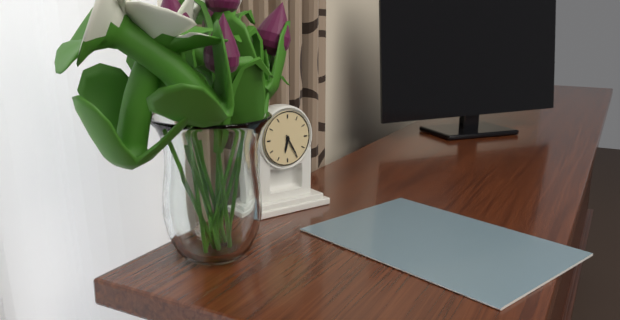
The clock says 6 h 25 min
